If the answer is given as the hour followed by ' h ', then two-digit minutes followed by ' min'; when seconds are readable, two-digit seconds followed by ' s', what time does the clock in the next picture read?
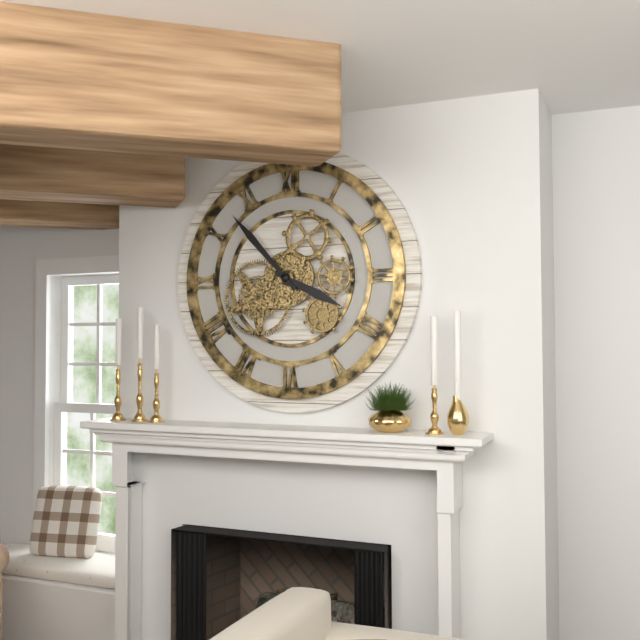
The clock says 3 h 53 min
